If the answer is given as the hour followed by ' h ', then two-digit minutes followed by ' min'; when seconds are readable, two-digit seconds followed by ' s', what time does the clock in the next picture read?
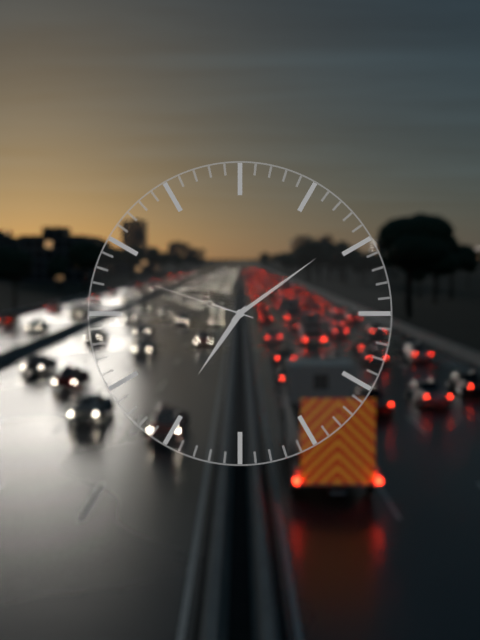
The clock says 7 h 09 min 48 s
